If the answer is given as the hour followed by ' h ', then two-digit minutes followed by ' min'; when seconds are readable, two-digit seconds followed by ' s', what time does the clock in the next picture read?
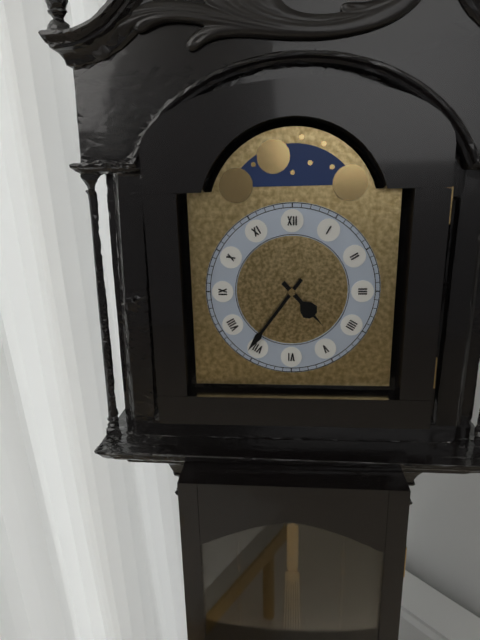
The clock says 4 h 36 min
